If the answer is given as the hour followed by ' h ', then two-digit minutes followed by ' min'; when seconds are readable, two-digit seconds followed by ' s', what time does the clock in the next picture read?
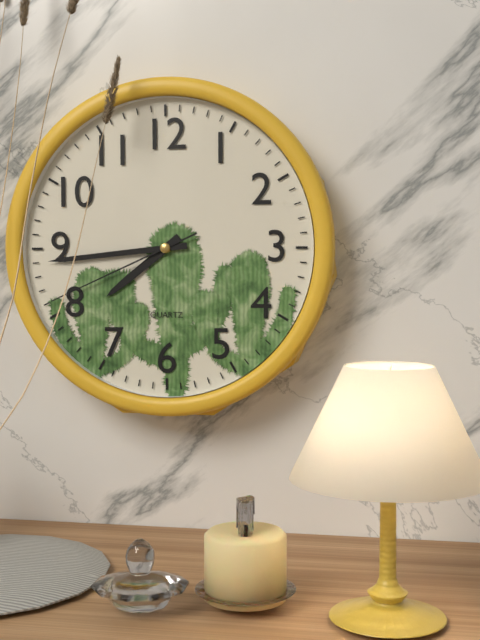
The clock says 7 h 44 min 41 s
